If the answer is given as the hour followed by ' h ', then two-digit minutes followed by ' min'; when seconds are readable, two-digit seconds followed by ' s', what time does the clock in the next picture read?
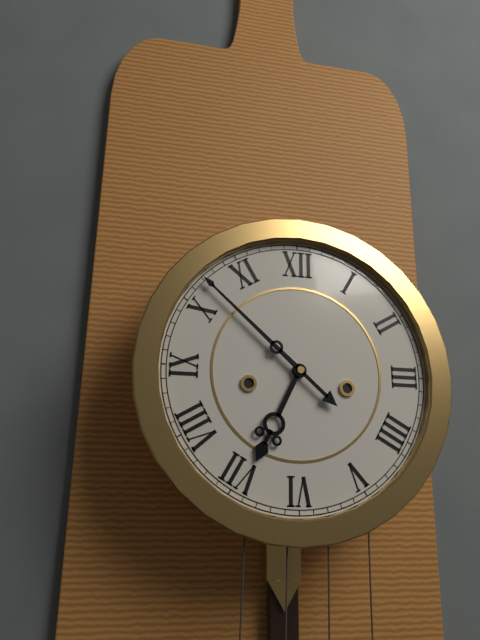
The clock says 6 h 52 min
